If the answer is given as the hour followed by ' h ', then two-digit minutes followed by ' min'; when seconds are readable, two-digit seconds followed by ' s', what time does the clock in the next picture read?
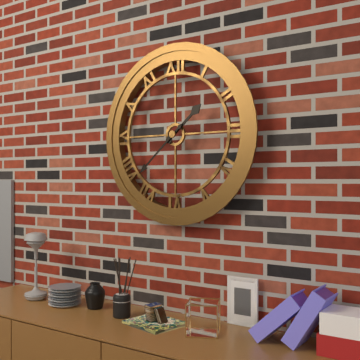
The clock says 1 h 38 min
